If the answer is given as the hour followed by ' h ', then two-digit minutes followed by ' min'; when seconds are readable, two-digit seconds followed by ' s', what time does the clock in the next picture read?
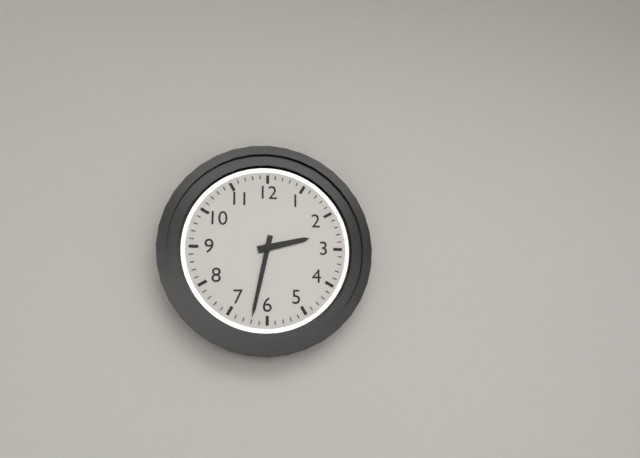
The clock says 2 h 32 min
